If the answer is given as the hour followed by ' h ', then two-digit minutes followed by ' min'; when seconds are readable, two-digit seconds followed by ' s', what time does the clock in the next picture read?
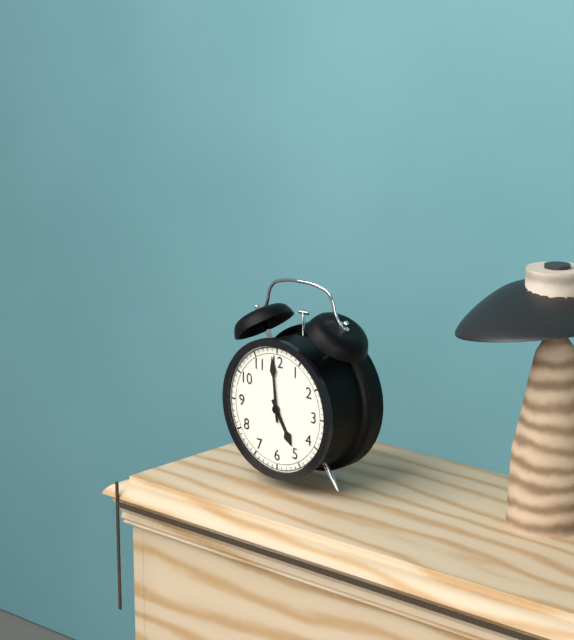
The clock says 4 h 59 min
